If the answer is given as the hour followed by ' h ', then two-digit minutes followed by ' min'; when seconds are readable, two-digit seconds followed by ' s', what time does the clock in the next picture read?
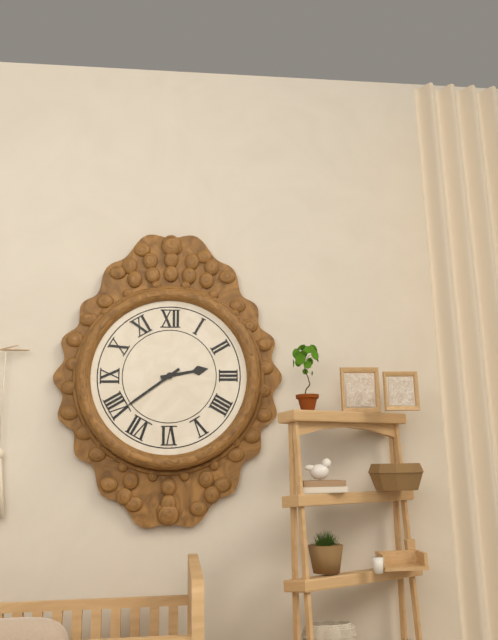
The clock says 2 h 39 min
